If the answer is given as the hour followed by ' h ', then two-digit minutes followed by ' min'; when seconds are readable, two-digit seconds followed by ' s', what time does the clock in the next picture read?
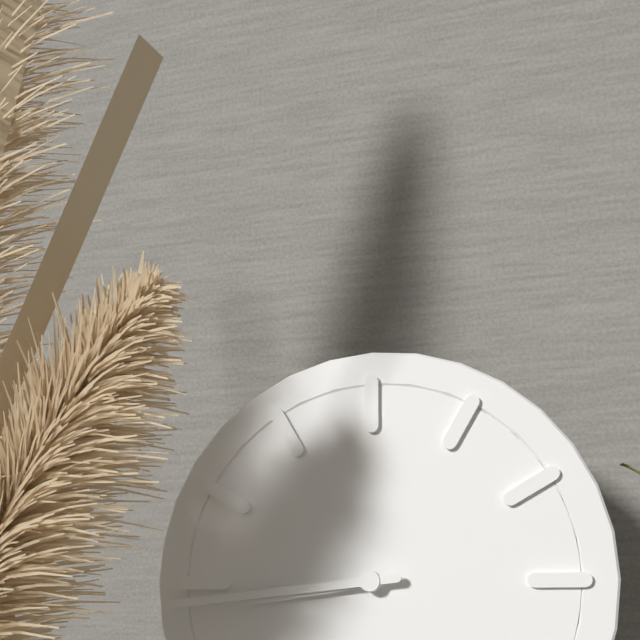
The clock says 8 h 44 min
